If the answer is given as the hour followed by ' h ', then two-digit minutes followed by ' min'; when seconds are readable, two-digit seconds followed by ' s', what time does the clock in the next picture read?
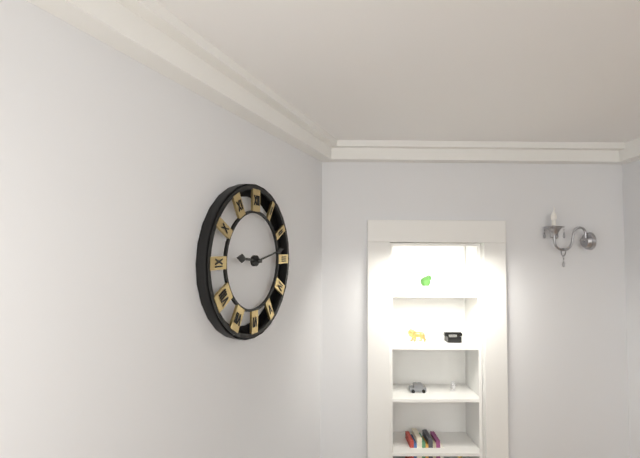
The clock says 9 h 13 min
